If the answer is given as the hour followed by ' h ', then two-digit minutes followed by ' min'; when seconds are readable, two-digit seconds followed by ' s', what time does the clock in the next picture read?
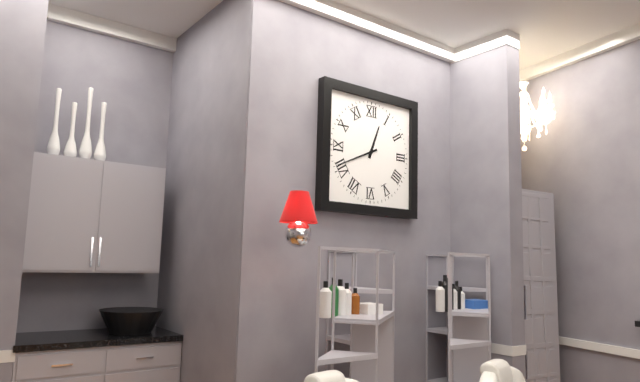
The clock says 12 h 41 min
